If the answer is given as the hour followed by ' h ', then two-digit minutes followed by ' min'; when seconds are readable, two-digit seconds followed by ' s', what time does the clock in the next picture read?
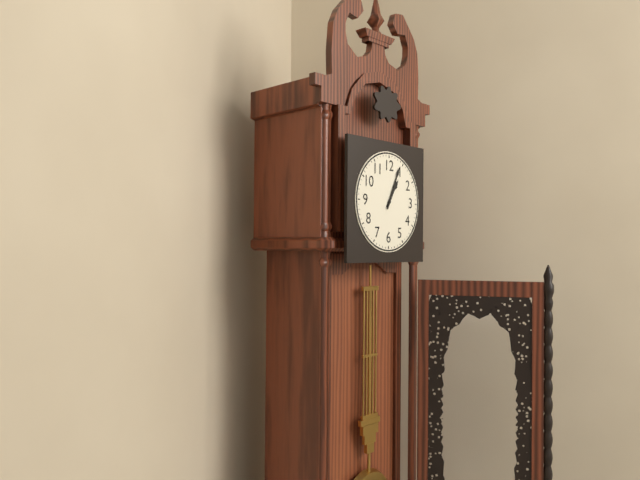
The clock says 1 h 04 min
